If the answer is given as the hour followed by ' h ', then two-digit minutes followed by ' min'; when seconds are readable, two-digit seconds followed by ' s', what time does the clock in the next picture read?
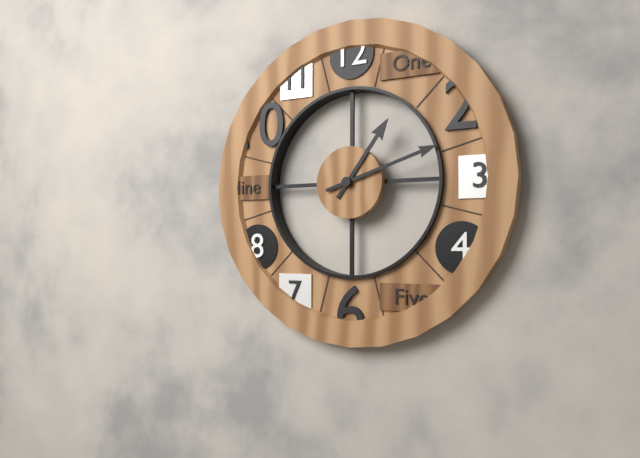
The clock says 1 h 12 min
